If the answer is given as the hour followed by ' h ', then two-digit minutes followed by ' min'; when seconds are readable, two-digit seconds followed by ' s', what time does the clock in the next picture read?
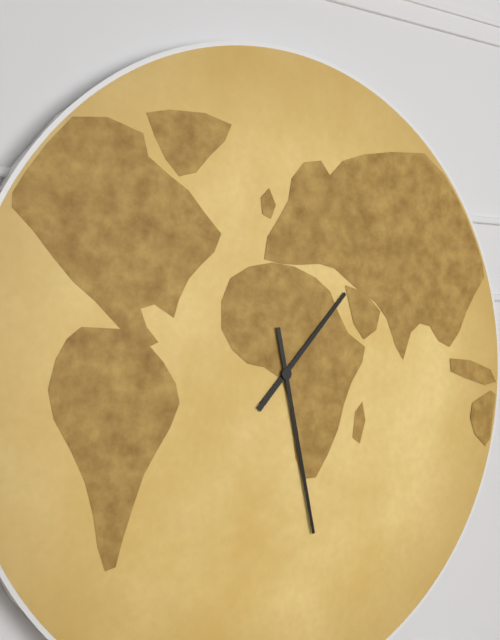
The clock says 1 h 28 min
